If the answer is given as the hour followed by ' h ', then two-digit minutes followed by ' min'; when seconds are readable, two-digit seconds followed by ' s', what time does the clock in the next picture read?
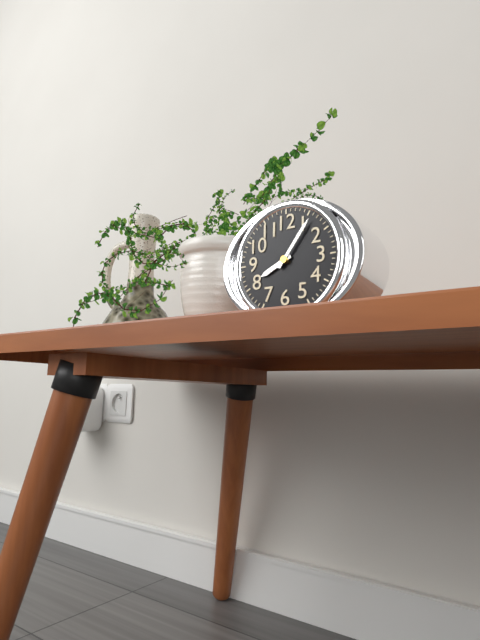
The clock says 8 h 06 min
